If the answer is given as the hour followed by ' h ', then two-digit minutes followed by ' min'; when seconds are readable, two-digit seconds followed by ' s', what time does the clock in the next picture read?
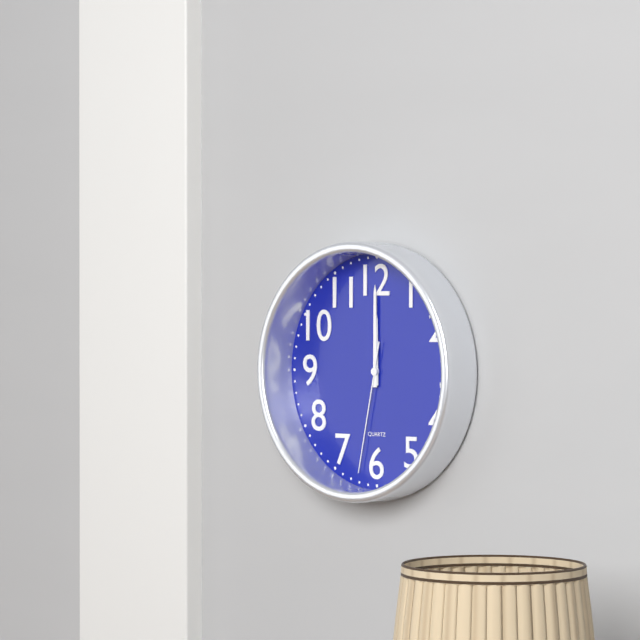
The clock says 12 h 00 min 32 s
